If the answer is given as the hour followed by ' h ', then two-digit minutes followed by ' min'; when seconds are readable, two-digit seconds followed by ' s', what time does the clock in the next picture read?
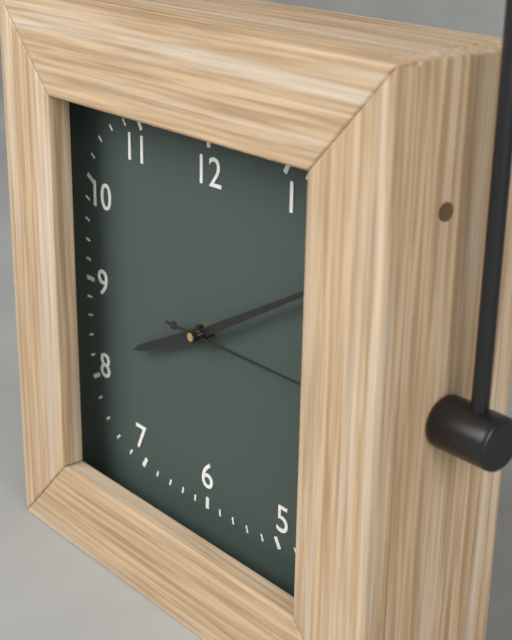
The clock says 8 h 10 min 15 s
